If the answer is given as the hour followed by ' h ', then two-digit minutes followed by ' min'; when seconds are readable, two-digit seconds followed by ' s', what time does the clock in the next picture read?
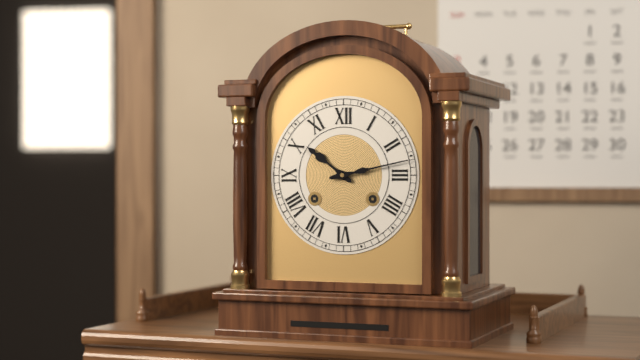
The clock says 10 h 13 min
